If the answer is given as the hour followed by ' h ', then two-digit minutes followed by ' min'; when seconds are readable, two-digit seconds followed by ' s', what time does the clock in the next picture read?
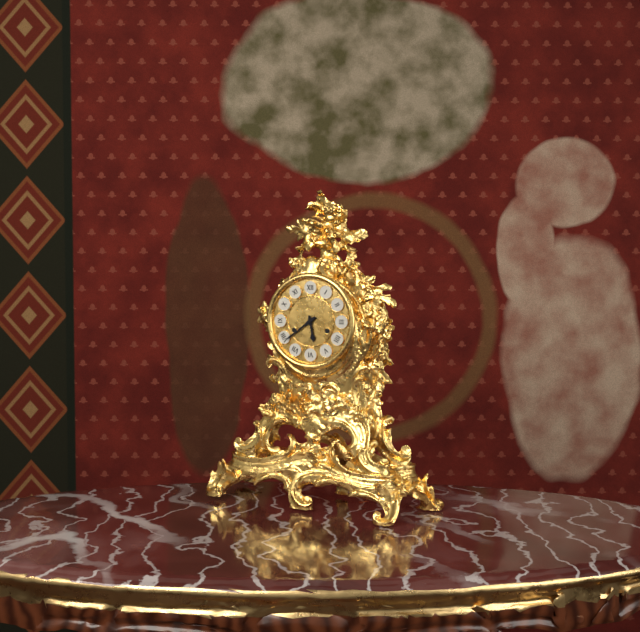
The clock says 5 h 39 min
